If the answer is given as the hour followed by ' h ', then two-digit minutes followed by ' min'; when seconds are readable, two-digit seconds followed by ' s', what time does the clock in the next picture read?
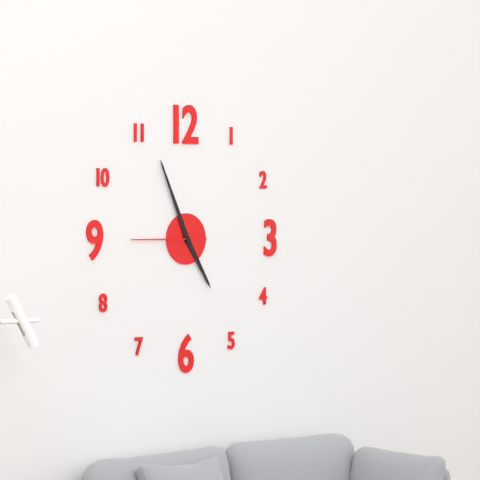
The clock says 4 h 56 min 45 s
